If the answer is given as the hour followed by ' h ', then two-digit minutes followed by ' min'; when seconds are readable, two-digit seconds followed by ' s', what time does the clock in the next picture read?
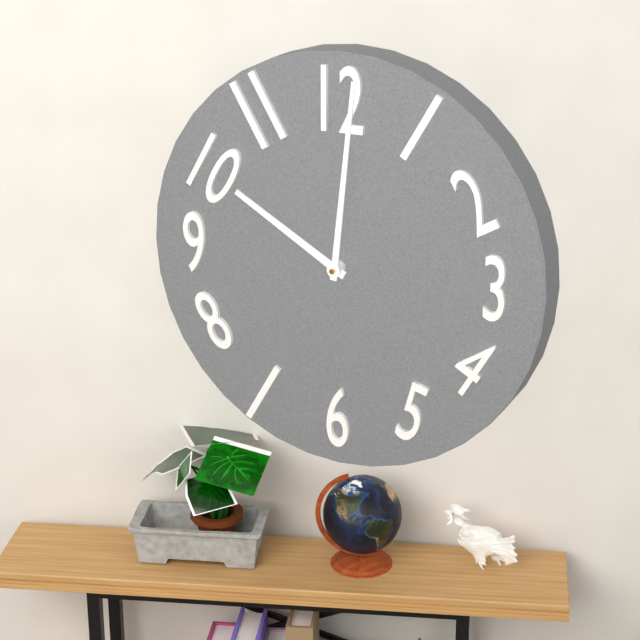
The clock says 10 h 01 min
